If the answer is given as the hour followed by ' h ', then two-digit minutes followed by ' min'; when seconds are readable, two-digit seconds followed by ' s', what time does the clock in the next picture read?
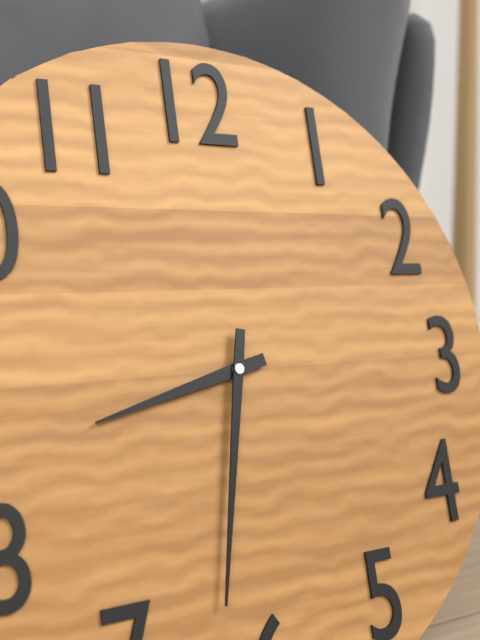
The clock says 8 h 32 min
